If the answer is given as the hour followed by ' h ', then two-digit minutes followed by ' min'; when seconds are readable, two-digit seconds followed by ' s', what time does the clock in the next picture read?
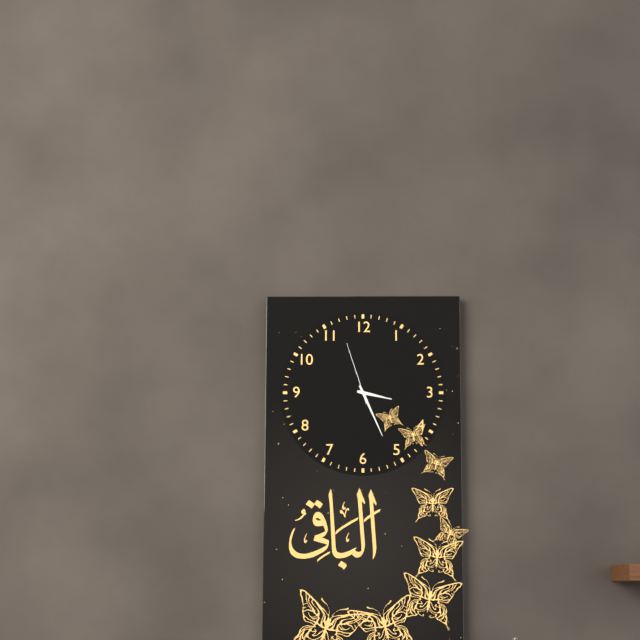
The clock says 3 h 26 min 57 s
